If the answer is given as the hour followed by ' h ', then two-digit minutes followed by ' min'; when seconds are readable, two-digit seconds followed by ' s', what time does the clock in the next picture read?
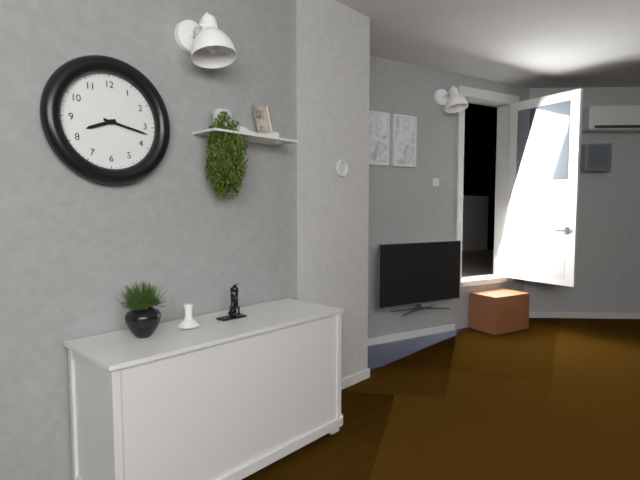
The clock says 8 h 17 min
